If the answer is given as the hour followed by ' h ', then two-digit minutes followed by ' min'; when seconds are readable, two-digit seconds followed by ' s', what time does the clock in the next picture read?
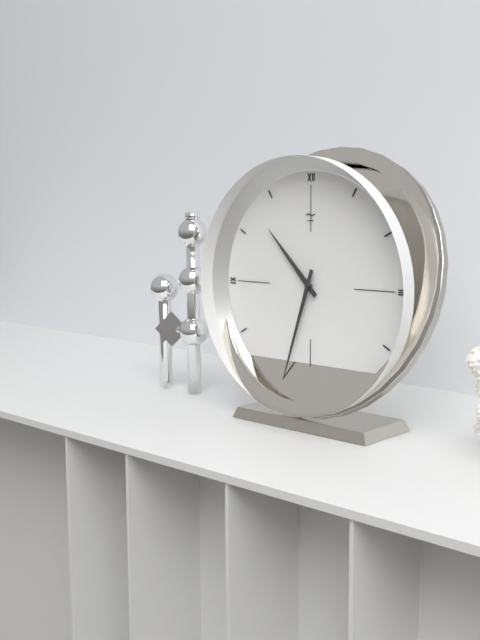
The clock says 10 h 33 min
